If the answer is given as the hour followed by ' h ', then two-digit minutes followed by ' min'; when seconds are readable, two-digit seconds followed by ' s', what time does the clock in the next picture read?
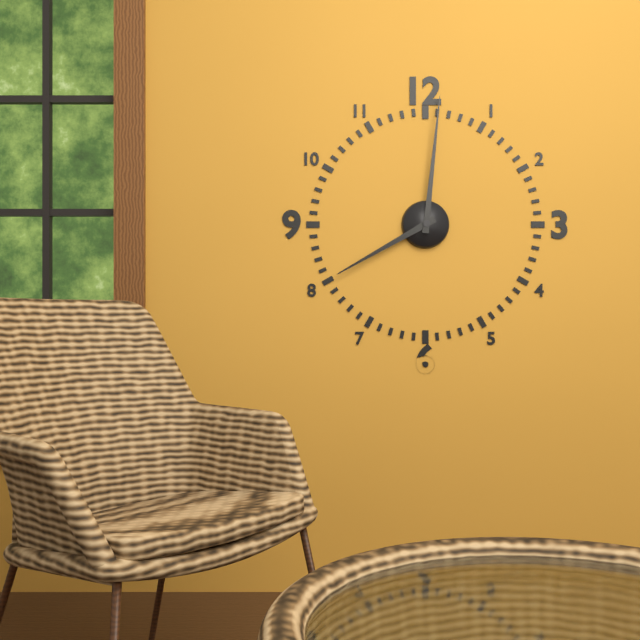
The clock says 8 h 01 min
